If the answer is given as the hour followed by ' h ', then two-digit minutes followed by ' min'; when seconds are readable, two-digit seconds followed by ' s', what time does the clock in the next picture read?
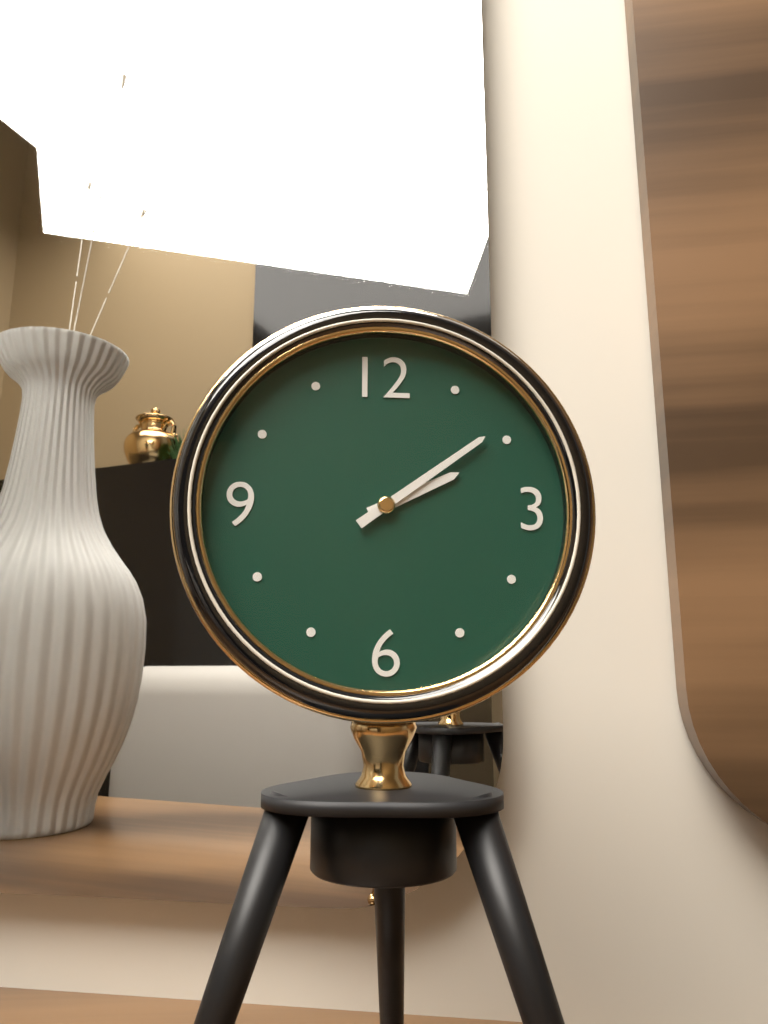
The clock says 2 h 09 min
